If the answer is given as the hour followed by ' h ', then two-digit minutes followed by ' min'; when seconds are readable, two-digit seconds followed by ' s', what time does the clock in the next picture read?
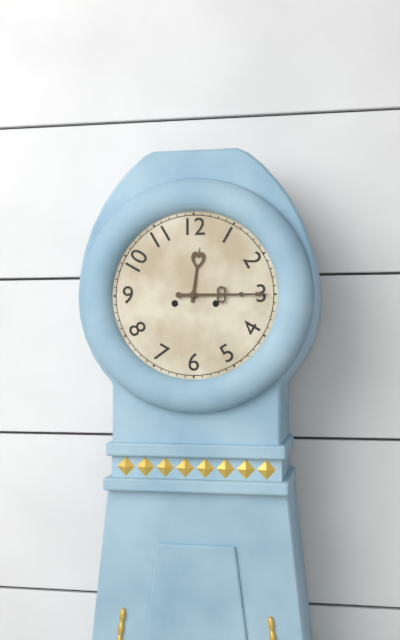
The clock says 12 h 15 min
